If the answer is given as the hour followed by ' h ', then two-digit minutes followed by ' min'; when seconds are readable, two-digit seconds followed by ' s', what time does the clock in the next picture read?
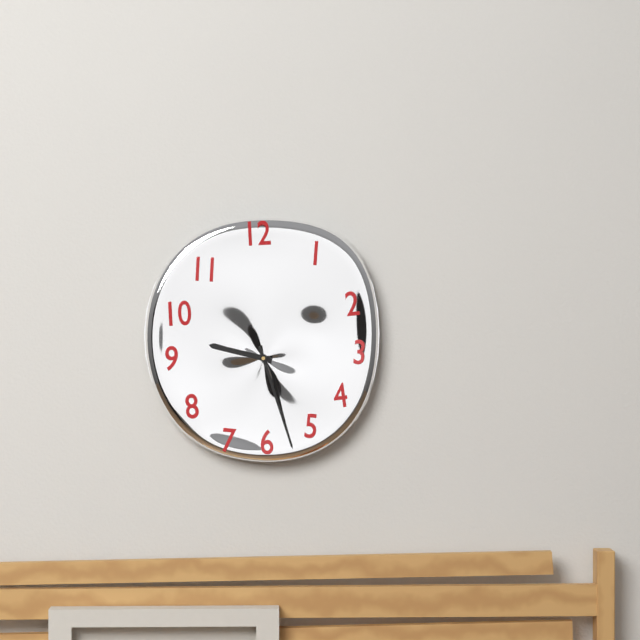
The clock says 9 h 27 min
